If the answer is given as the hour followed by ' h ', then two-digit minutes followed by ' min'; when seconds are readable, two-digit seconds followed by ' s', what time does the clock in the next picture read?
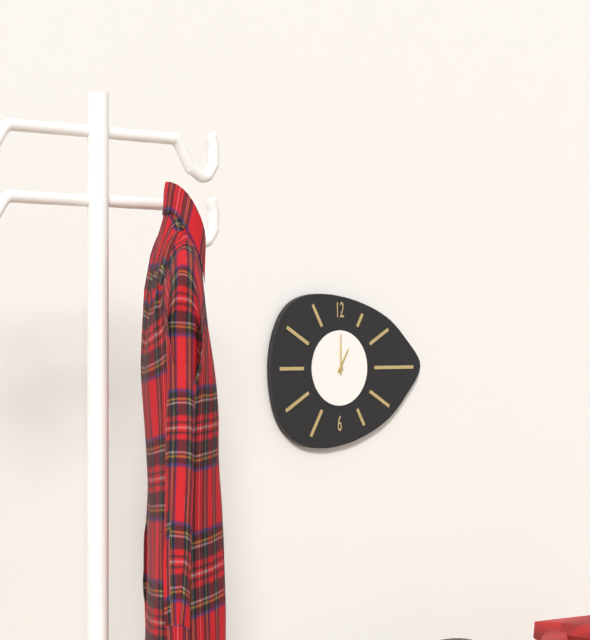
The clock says 1 h 00 min
